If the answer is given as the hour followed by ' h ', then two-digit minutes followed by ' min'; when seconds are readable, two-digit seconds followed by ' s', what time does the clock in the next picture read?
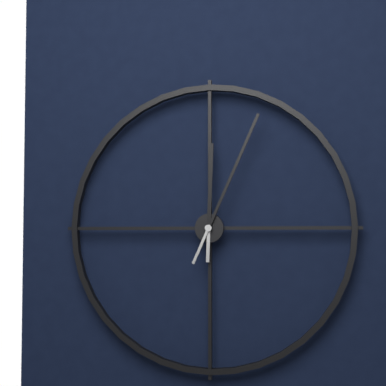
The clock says 12 h 04 min
